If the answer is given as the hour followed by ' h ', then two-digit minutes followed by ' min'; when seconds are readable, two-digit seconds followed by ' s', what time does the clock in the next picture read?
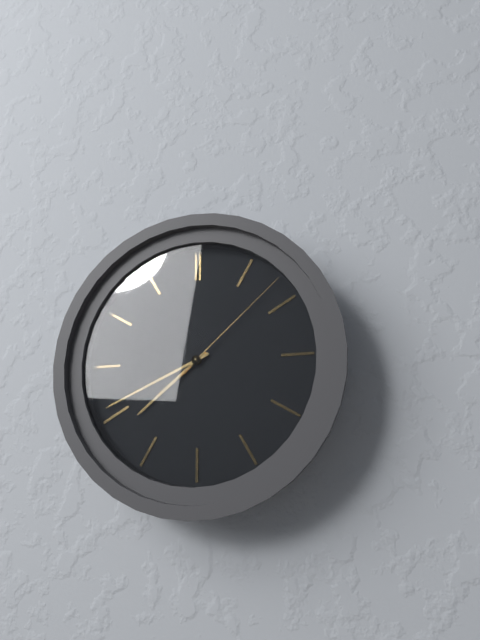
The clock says 7 h 41 min 08 s
